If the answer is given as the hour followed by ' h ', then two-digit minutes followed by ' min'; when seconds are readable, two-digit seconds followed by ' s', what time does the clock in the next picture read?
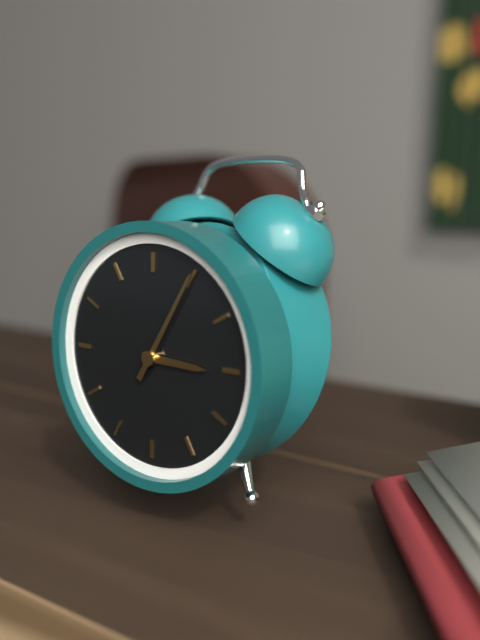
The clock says 3 h 05 min
